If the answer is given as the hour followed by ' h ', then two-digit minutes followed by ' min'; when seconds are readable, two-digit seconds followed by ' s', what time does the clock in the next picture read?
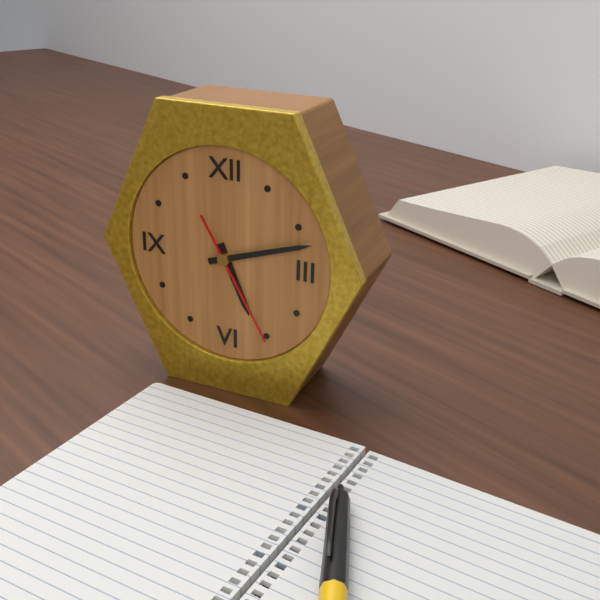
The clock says 5 h 12 min 25 s
